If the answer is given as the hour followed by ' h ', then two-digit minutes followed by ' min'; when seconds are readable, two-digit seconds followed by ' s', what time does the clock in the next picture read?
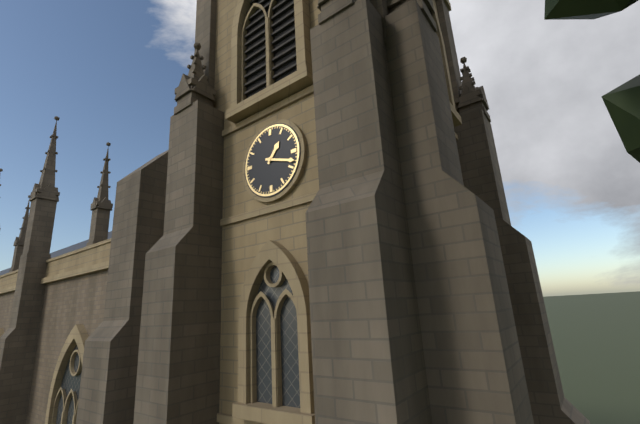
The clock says 1 h 18 min
